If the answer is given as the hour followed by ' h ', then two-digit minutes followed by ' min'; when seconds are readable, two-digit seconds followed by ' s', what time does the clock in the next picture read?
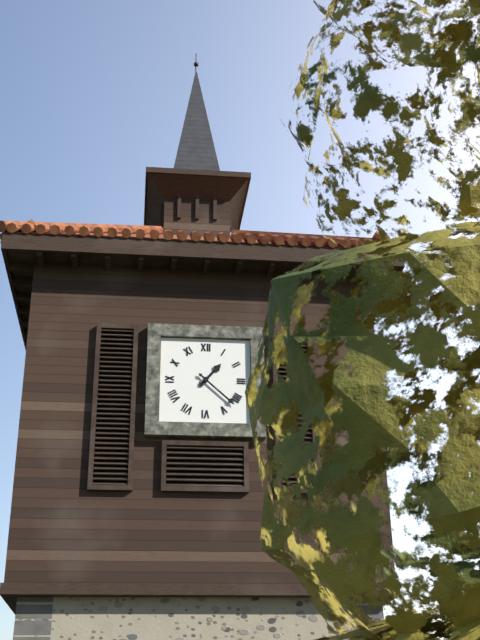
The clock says 1 h 22 min
